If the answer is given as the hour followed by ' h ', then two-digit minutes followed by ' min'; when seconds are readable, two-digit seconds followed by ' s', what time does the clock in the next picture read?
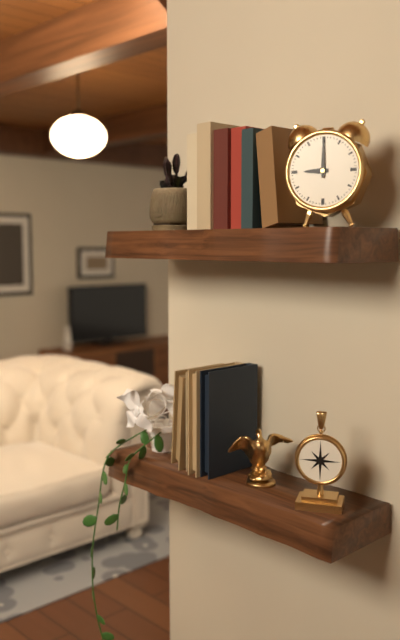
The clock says 9 h 00 min
